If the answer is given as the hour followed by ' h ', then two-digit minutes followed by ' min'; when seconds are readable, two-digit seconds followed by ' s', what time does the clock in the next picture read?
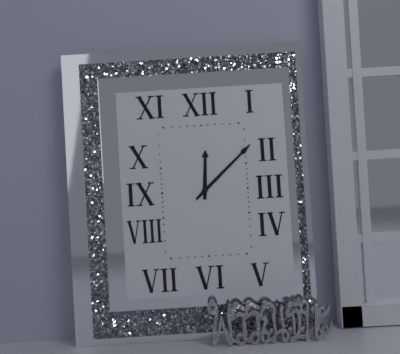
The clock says 12 h 08 min
